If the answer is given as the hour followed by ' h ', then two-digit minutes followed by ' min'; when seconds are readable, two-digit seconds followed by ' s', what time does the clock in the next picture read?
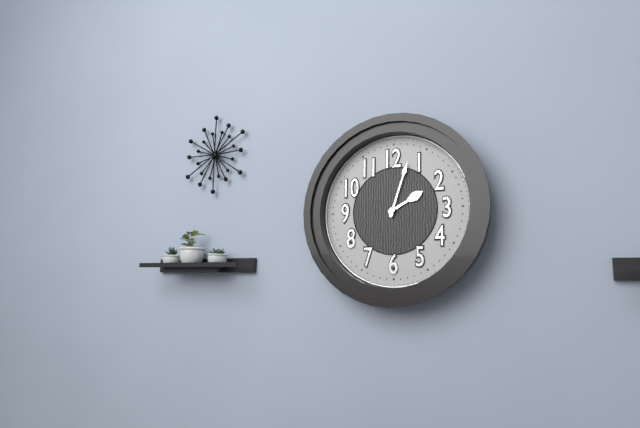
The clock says 2 h 03 min
